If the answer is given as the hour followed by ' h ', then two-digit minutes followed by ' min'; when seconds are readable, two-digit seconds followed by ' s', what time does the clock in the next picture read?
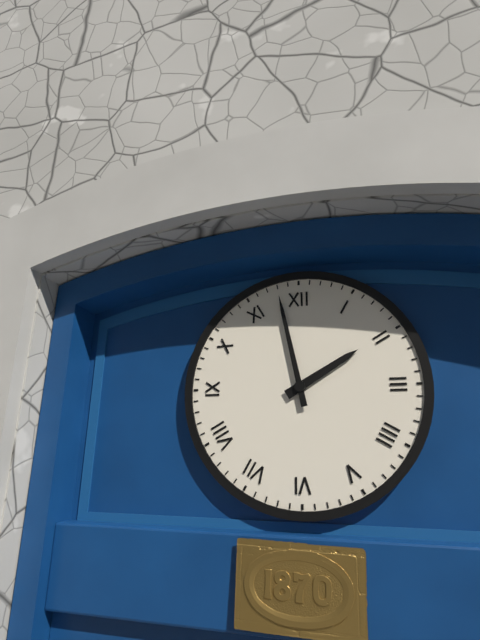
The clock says 1 h 58 min
